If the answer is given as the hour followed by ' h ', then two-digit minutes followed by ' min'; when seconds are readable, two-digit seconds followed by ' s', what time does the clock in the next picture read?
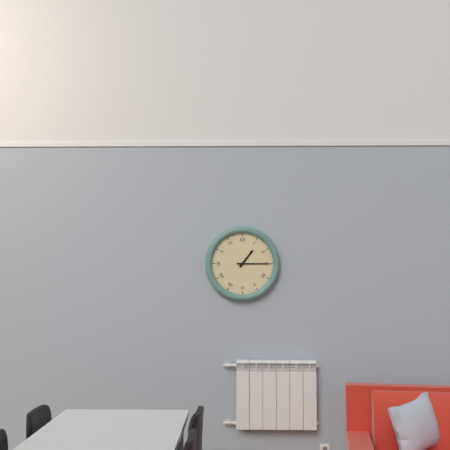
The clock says 1 h 15 min
